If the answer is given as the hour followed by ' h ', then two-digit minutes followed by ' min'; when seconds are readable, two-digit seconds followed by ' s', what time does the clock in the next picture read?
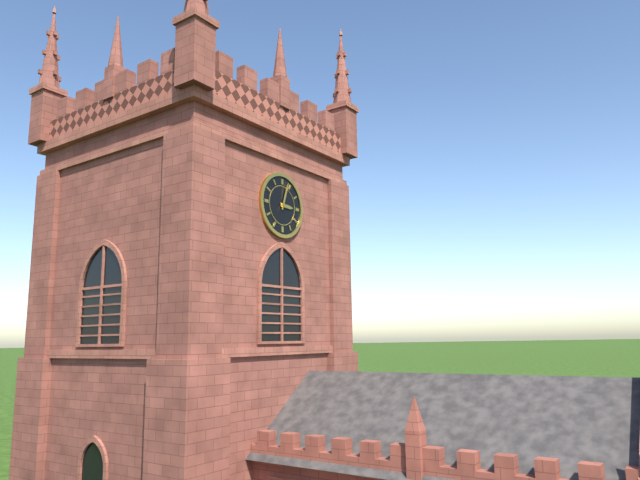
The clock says 3 h 03 min
